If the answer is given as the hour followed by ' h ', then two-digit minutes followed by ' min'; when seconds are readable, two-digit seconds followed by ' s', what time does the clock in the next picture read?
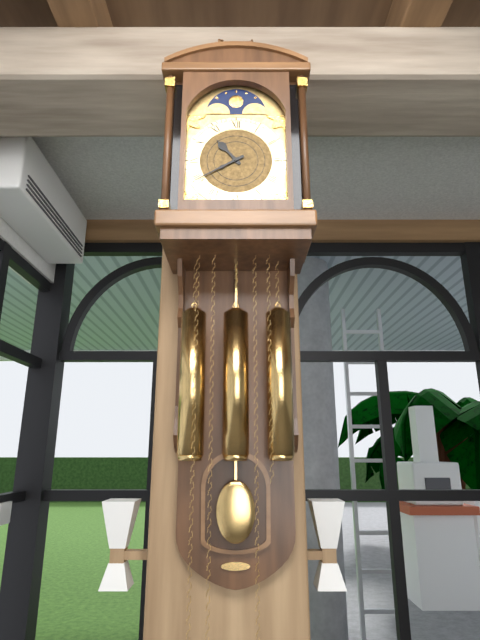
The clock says 10 h 40 min
